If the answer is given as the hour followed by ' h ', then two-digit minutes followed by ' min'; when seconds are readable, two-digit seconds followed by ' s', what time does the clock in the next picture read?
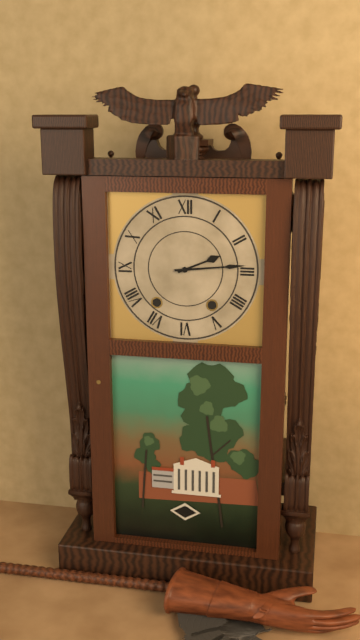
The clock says 2 h 14 min
